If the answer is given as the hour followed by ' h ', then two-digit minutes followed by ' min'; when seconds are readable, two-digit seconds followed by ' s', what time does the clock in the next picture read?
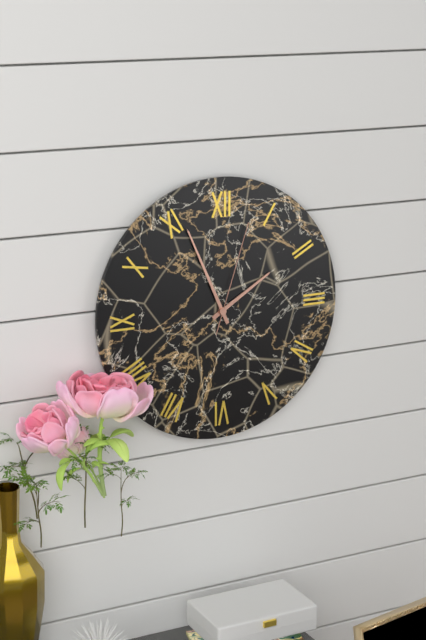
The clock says 1 h 56 min 03 s
